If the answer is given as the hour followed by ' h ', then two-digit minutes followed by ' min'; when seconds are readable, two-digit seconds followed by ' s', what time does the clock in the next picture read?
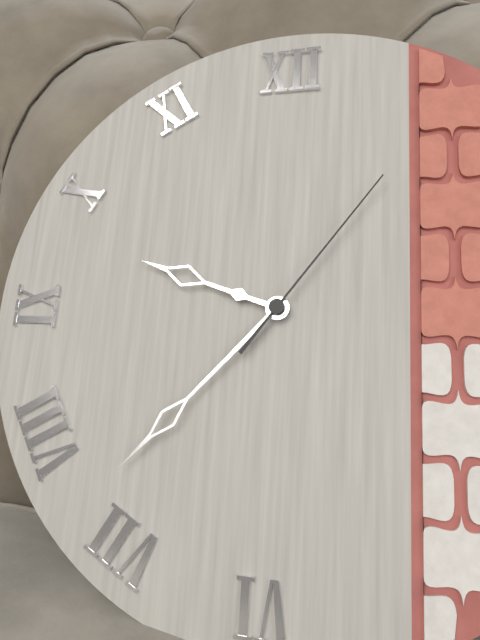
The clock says 9 h 37 min 06 s
